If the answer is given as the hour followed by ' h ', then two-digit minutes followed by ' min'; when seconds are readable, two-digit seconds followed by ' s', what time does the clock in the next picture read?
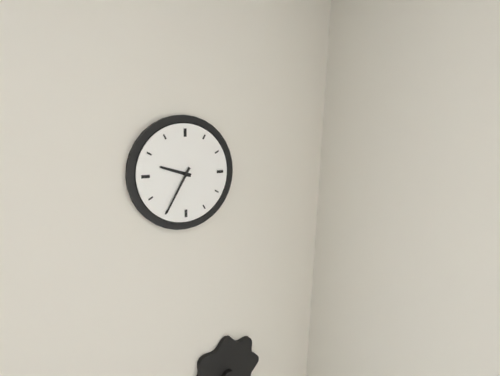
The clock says 9 h 35 min
